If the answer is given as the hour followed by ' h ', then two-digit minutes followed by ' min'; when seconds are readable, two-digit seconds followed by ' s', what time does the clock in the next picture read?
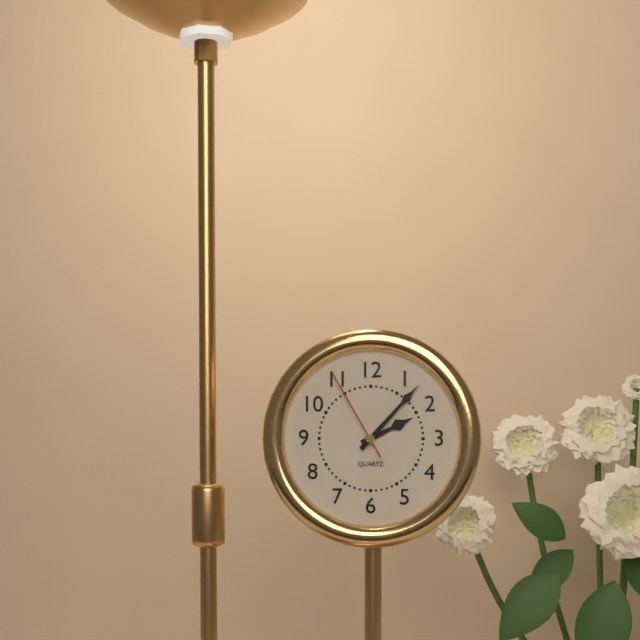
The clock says 2 h 07 min 55 s
